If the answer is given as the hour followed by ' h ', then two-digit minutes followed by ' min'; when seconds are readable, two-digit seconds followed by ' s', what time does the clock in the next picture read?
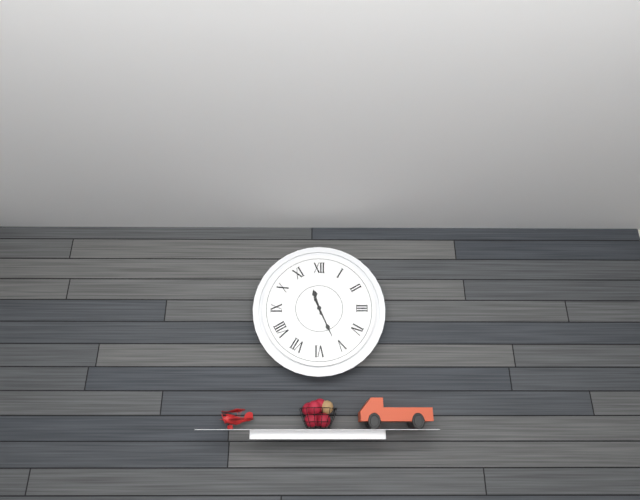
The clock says 11 h 26 min
